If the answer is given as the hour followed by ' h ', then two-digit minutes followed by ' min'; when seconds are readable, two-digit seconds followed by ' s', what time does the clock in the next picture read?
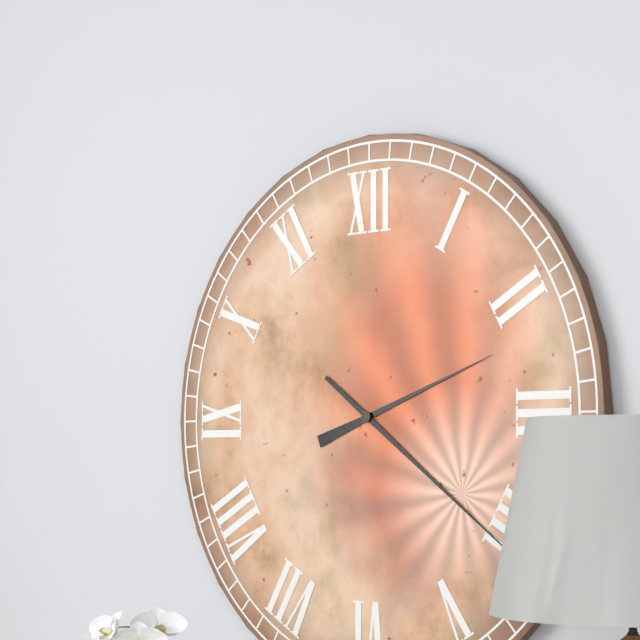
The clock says 2 h 21 min
